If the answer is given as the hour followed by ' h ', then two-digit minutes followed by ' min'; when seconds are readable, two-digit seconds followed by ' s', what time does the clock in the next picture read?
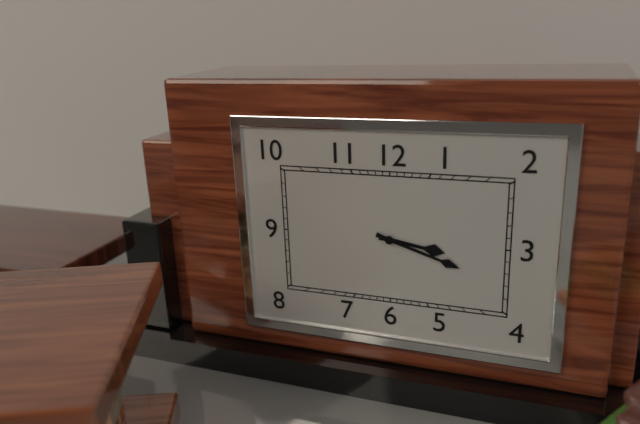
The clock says 3 h 18 min
